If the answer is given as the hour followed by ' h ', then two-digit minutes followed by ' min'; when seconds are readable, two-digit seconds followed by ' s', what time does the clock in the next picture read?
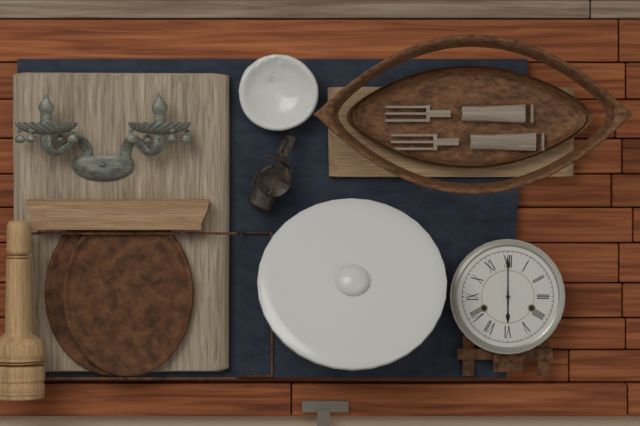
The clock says 6 h 00 min
